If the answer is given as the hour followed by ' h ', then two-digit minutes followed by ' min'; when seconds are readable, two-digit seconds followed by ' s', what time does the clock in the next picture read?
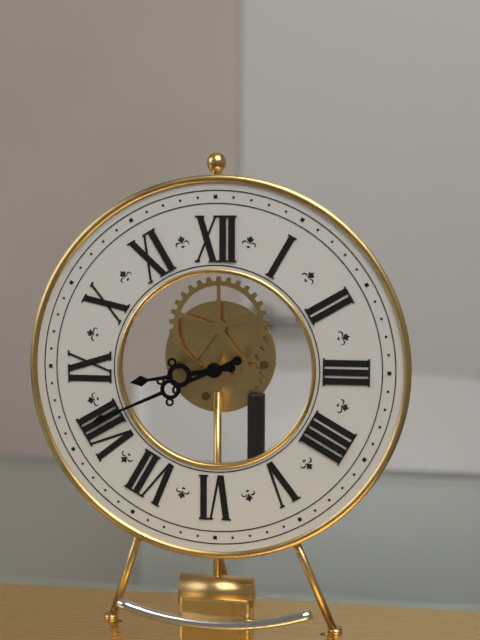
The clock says 8 h 41 min
